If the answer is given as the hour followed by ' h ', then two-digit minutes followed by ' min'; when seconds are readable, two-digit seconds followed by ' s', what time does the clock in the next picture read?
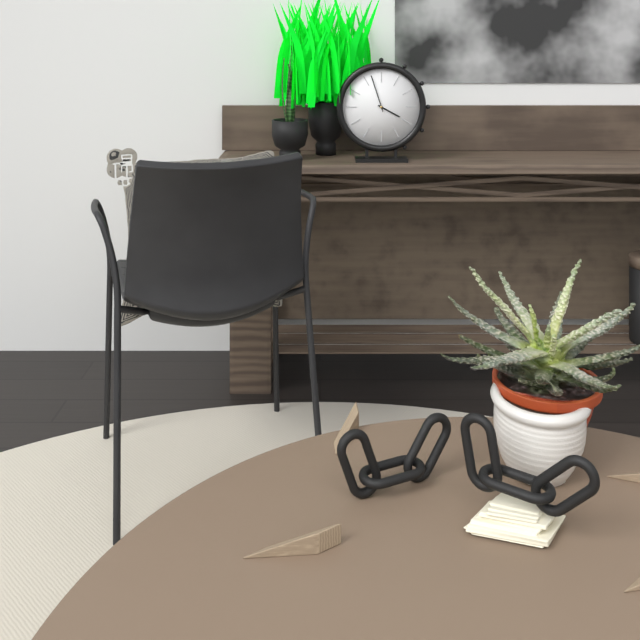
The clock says 3 h 57 min
